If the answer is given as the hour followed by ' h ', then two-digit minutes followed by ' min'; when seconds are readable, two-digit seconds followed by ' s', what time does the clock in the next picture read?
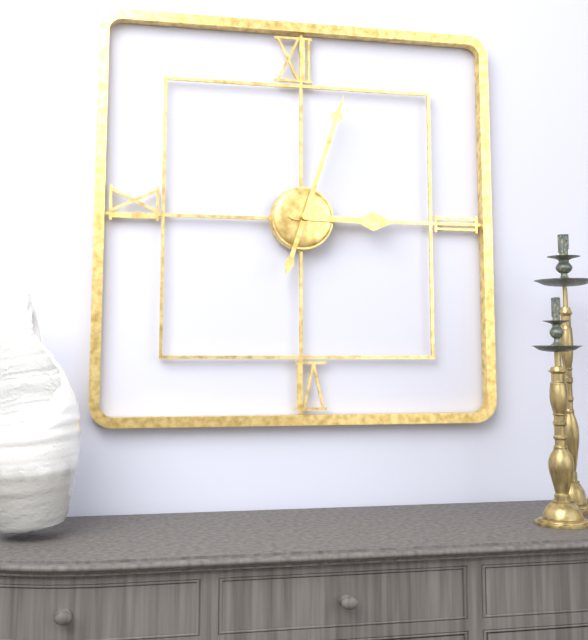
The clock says 3 h 03 min
